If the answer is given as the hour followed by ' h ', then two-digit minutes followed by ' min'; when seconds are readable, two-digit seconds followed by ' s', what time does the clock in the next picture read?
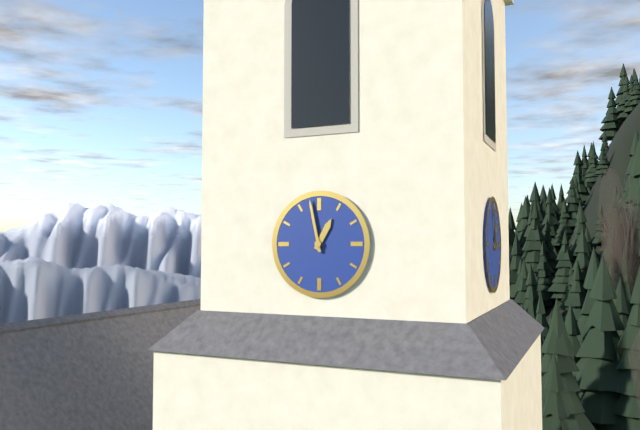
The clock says 12 h 58 min
